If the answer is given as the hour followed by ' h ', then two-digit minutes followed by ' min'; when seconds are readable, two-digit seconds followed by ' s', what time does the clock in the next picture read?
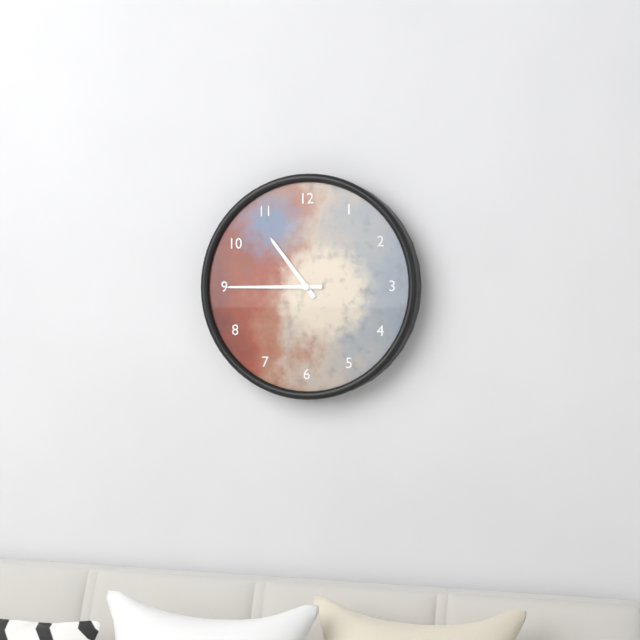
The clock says 10 h 45 min
